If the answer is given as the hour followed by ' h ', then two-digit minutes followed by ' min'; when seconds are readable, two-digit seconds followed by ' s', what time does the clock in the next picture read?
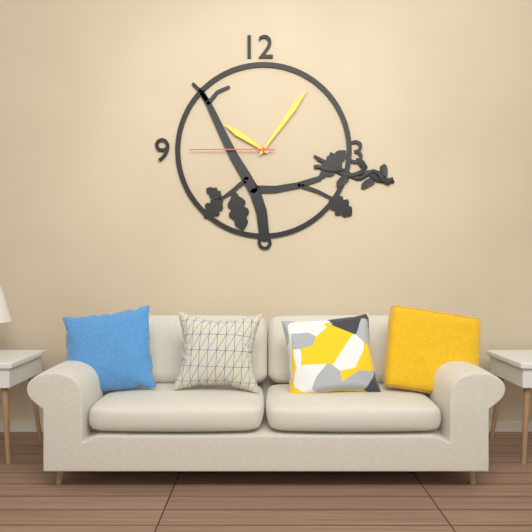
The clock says 10 h 06 min 45 s
